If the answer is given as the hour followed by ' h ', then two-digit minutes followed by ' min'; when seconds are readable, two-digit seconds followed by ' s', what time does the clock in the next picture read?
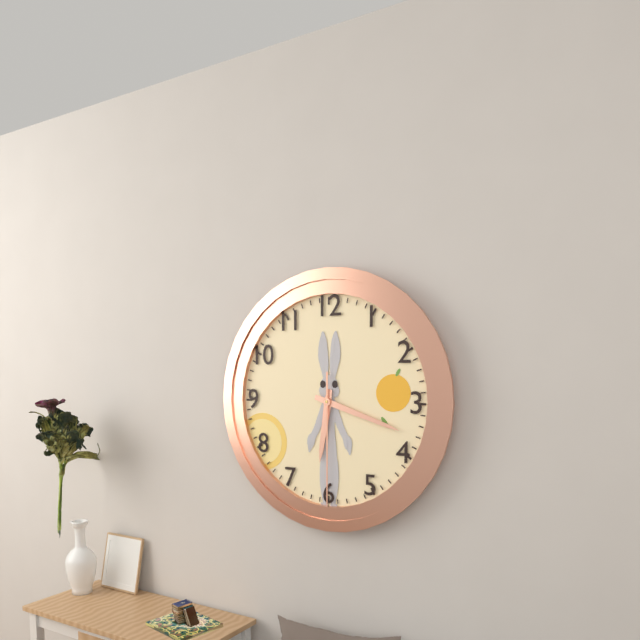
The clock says 6 h 18 min 30 s
